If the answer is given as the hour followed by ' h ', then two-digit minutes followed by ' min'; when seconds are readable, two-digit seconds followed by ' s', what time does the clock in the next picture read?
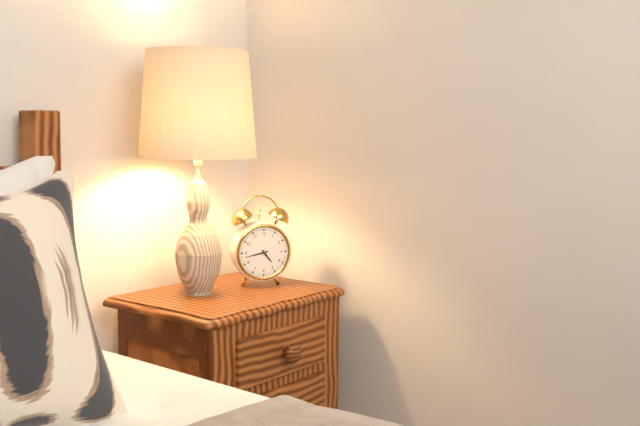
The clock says 4 h 43 min
